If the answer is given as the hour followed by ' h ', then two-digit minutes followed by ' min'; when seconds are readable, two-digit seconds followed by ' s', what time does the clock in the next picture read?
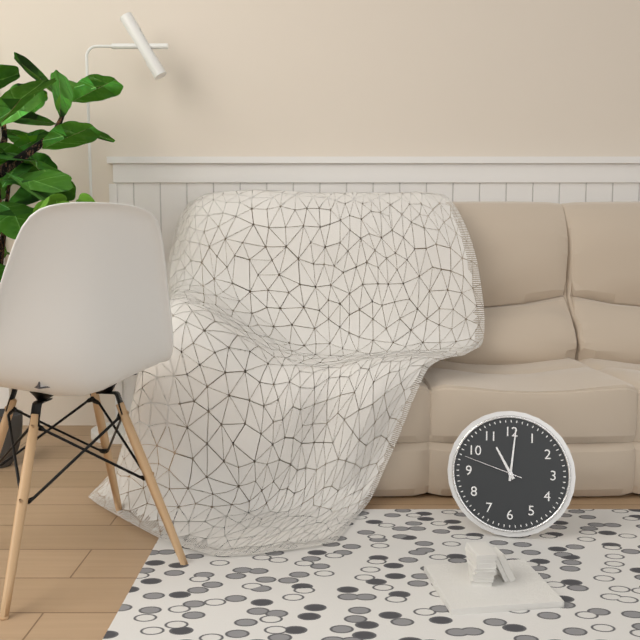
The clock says 11 h 01 min 48 s
